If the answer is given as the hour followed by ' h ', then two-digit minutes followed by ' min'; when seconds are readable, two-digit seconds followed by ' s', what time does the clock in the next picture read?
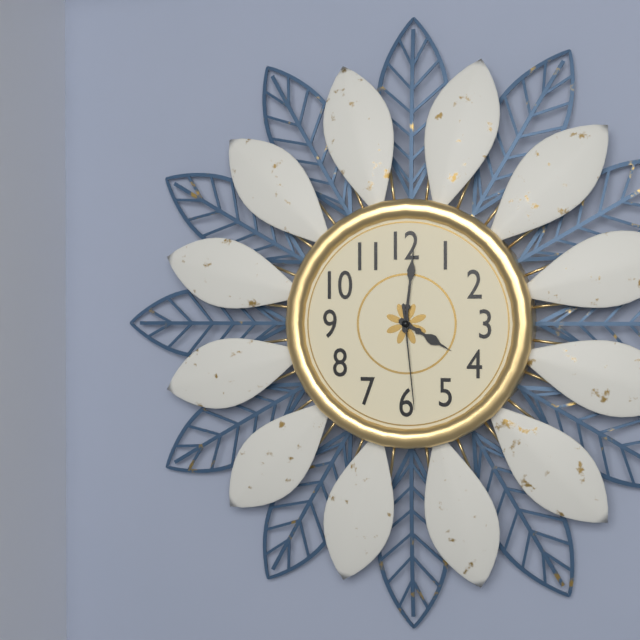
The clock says 4 h 01 min 29 s
